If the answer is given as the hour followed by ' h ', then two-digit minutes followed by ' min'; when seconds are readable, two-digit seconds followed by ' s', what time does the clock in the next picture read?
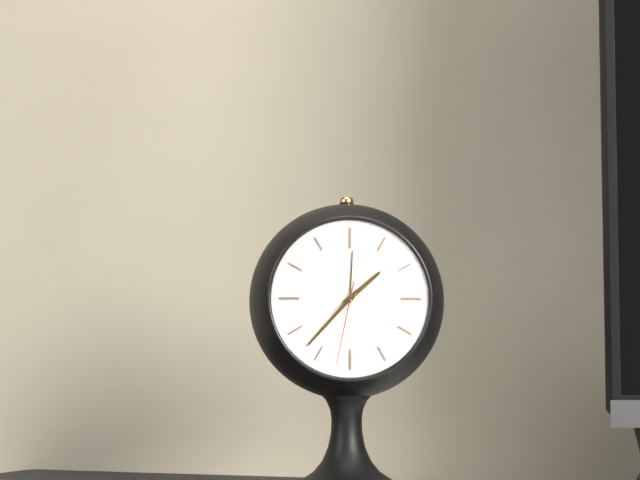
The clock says 1 h 37 min 32 s
